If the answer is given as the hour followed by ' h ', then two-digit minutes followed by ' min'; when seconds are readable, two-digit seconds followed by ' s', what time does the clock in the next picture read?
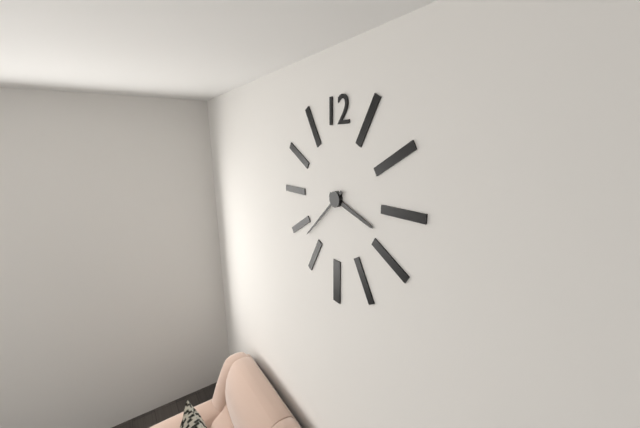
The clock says 3 h 38 min
